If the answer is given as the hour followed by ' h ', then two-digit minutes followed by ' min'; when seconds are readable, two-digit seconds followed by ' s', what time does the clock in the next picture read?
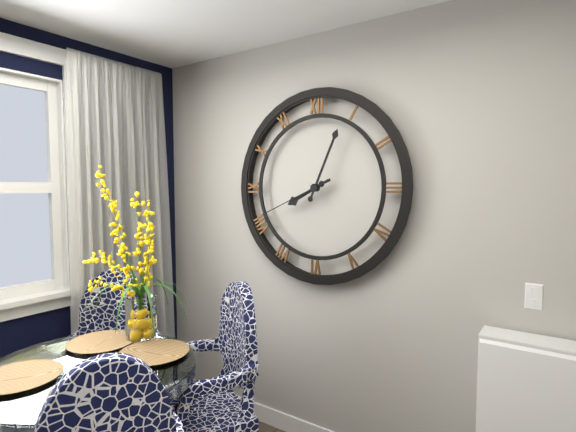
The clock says 8 h 04 min 41 s
